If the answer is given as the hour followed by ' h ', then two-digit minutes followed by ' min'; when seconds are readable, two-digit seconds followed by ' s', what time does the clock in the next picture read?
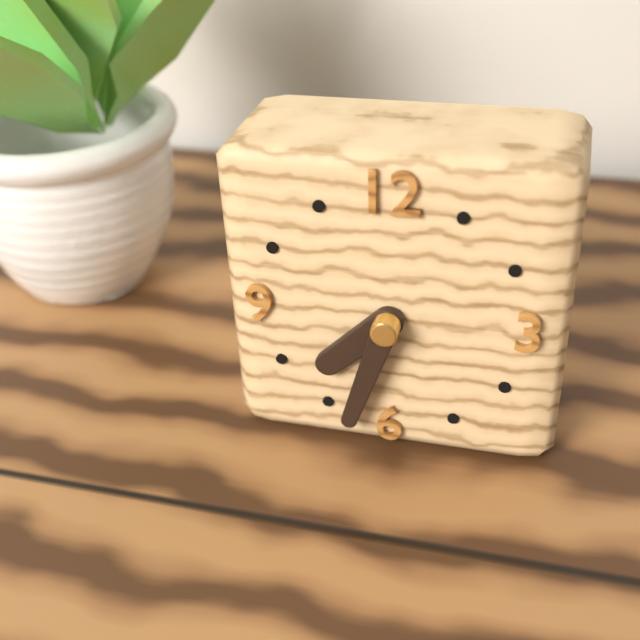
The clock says 7 h 33 min
